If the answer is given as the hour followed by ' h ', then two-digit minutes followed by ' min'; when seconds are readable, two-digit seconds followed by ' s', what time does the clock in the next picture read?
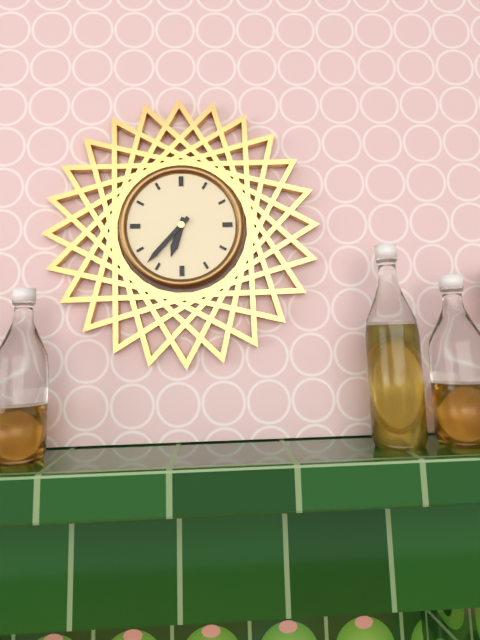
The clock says 6 h 37 min
